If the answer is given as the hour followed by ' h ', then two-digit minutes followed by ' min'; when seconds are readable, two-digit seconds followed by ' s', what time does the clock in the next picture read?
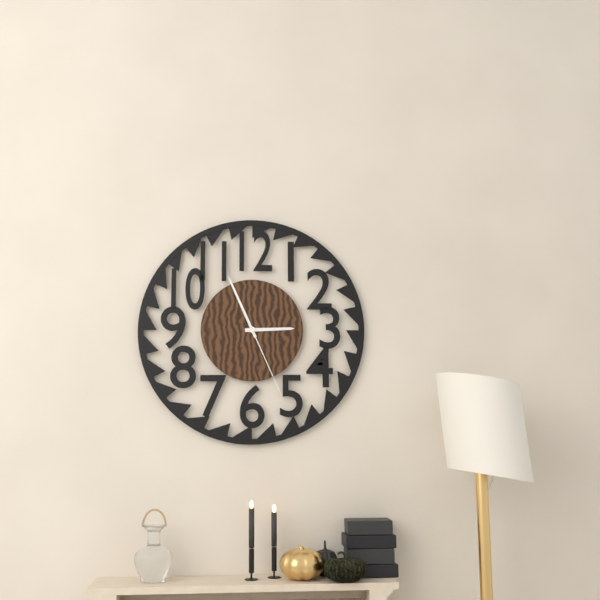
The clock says 2 h 56 min 26 s
